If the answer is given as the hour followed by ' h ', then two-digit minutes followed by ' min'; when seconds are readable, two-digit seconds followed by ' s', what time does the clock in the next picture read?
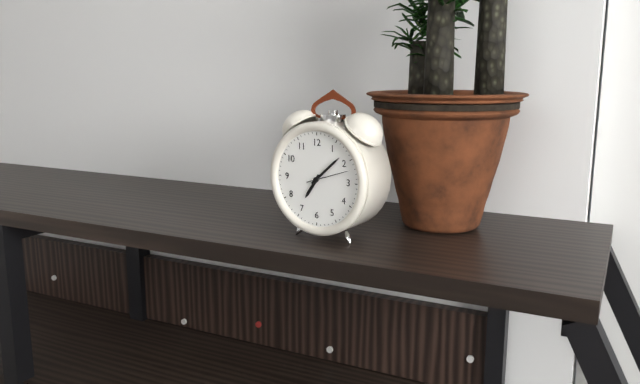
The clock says 7 h 08 min
